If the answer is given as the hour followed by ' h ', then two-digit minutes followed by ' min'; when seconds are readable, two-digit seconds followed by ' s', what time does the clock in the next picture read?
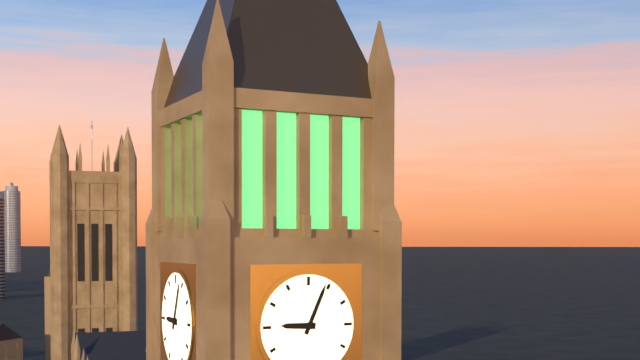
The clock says 9 h 04 min
